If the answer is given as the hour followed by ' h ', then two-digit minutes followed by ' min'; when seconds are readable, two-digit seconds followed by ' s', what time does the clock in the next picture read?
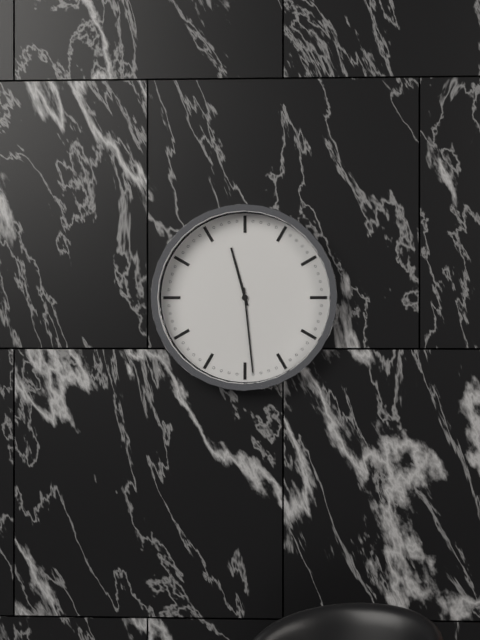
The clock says 11 h 29 min
